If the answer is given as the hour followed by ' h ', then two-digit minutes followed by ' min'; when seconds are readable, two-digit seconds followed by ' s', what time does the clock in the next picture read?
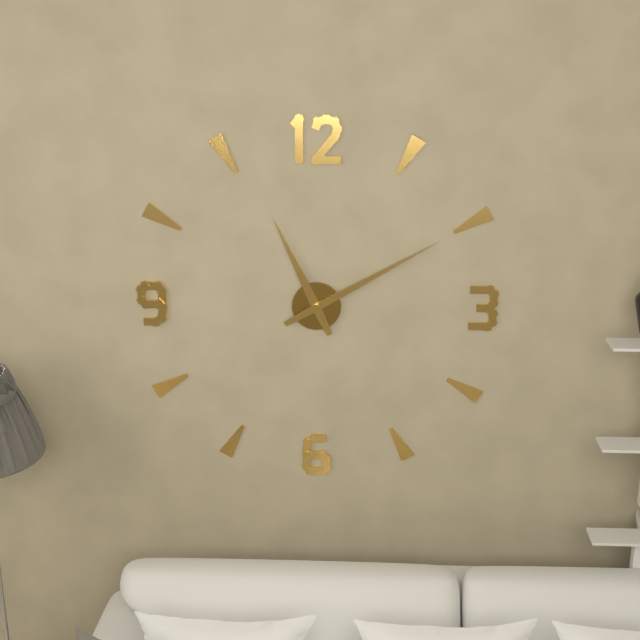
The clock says 11 h 10 min
